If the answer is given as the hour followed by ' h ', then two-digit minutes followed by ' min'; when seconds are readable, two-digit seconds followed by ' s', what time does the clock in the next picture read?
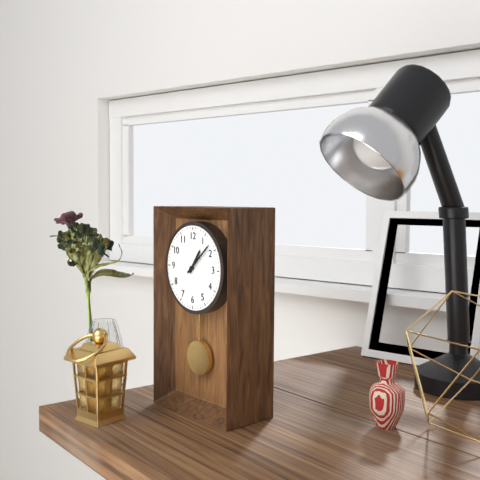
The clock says 1 h 08 min
